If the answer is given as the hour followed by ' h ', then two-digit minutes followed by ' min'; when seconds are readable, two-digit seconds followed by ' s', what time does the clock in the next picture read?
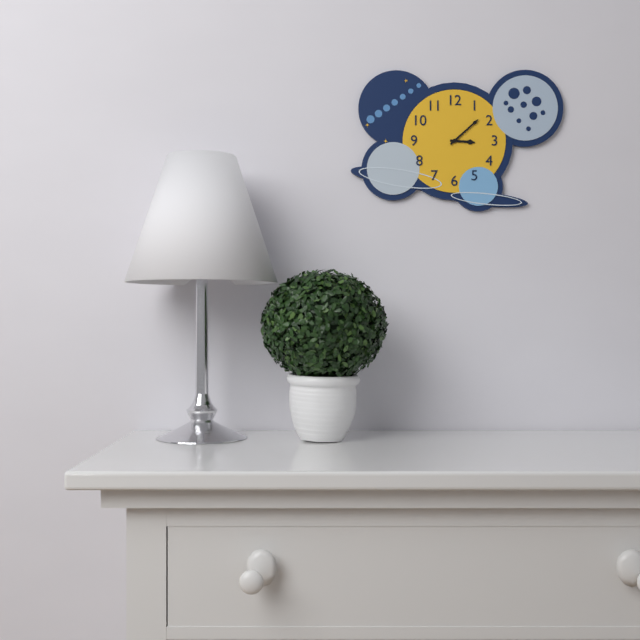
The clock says 3 h 08 min
